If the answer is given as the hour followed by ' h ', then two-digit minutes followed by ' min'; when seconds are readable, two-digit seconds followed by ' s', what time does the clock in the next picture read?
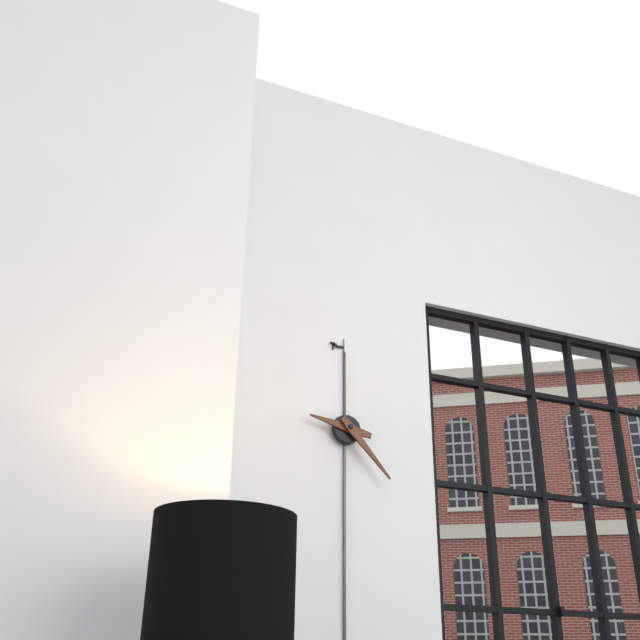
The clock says 9 h 23 min
